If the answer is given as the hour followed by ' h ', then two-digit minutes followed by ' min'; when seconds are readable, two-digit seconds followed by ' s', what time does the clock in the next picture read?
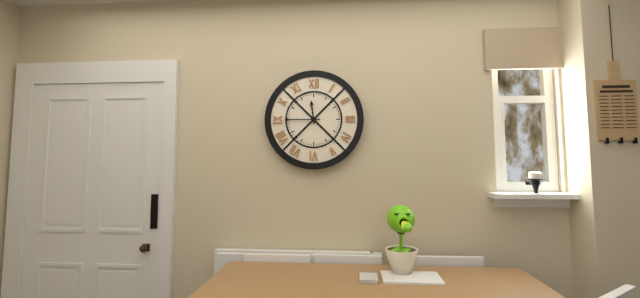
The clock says 11 h 45 min
